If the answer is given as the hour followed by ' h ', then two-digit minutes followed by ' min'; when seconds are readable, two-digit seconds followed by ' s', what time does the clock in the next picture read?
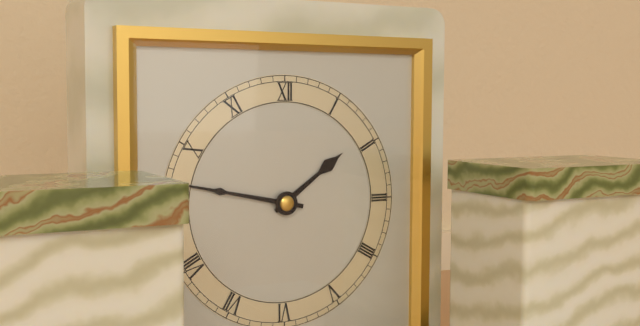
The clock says 1 h 47 min
